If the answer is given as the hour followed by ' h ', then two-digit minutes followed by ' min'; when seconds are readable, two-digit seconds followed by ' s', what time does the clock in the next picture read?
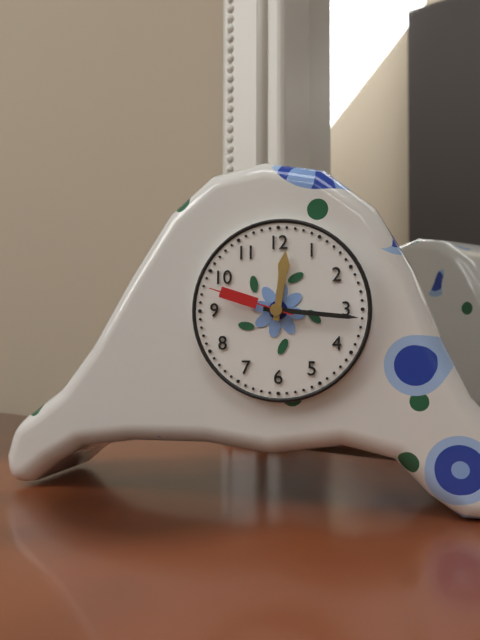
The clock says 12 h 16 min 48 s
